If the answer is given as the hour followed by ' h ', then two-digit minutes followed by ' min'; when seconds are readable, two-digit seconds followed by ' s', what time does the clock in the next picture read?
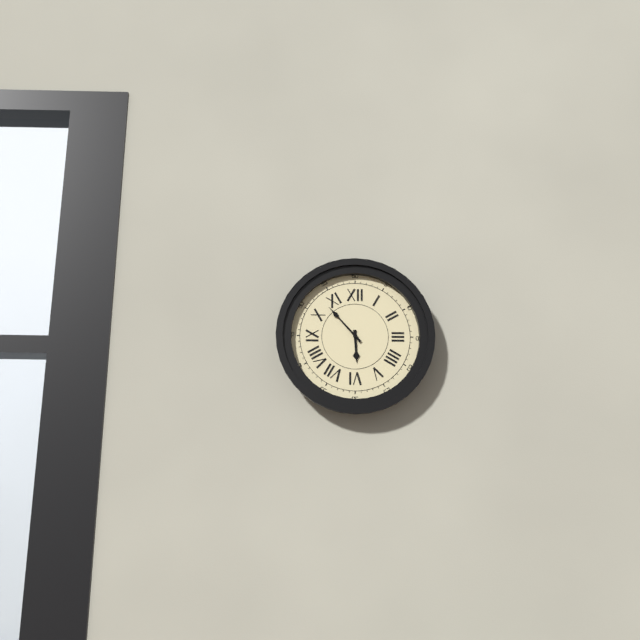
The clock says 5 h 53 min
